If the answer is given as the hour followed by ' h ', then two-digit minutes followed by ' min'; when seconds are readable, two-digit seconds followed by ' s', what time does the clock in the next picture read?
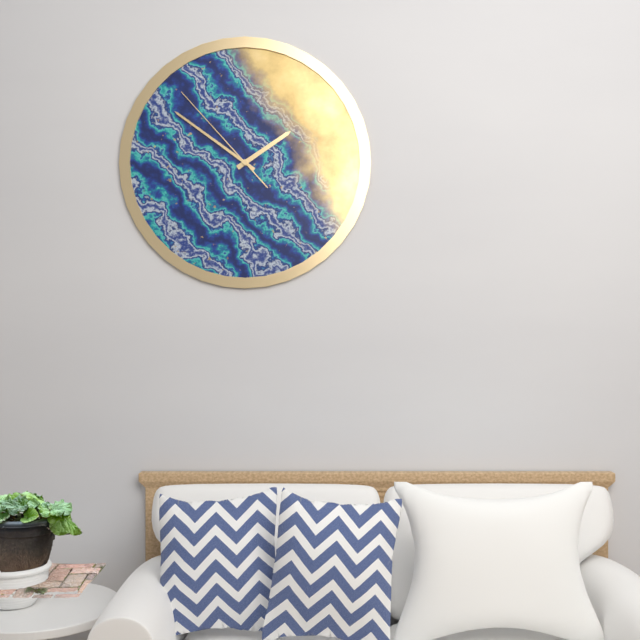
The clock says 1 h 51 min 53 s
